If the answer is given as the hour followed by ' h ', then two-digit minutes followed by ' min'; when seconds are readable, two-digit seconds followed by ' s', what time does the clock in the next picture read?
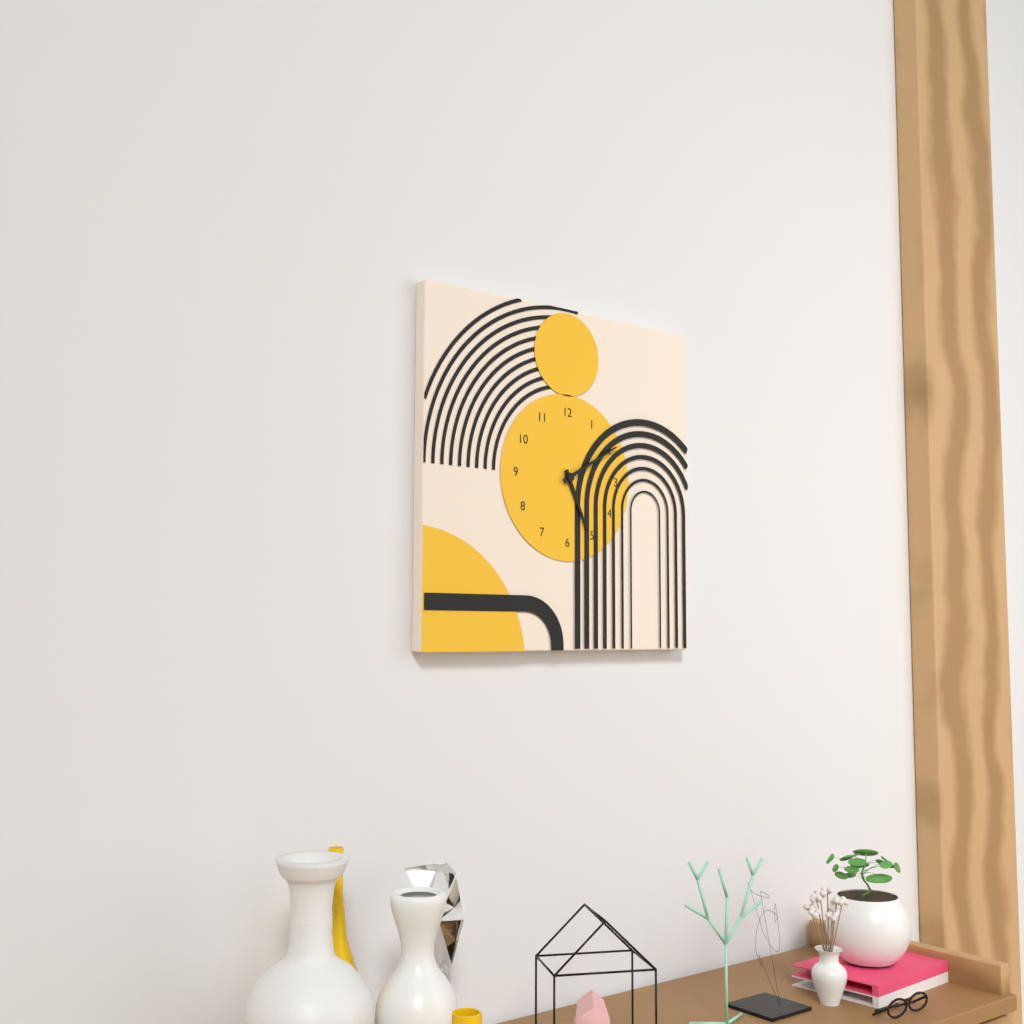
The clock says 5 h 10 min
